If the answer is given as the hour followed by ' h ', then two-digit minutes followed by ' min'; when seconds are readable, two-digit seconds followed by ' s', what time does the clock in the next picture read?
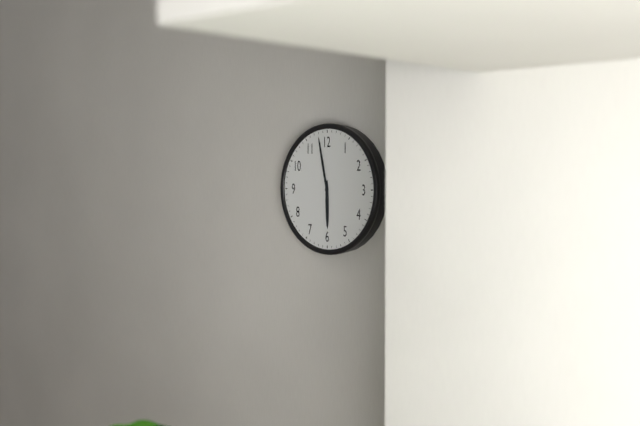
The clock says 5 h 58 min
